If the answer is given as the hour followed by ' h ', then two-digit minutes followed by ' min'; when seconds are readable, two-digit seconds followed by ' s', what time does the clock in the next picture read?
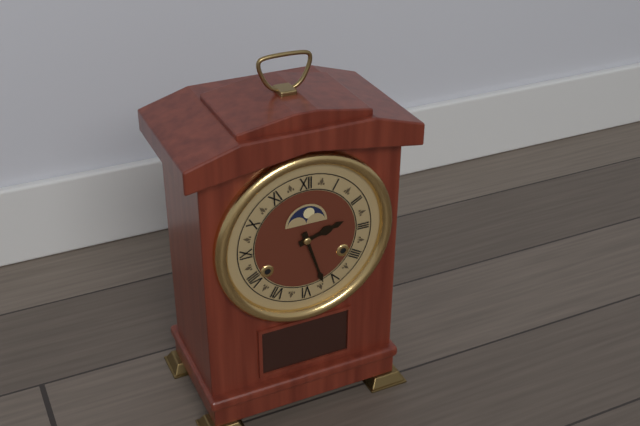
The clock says 2 h 27 min
